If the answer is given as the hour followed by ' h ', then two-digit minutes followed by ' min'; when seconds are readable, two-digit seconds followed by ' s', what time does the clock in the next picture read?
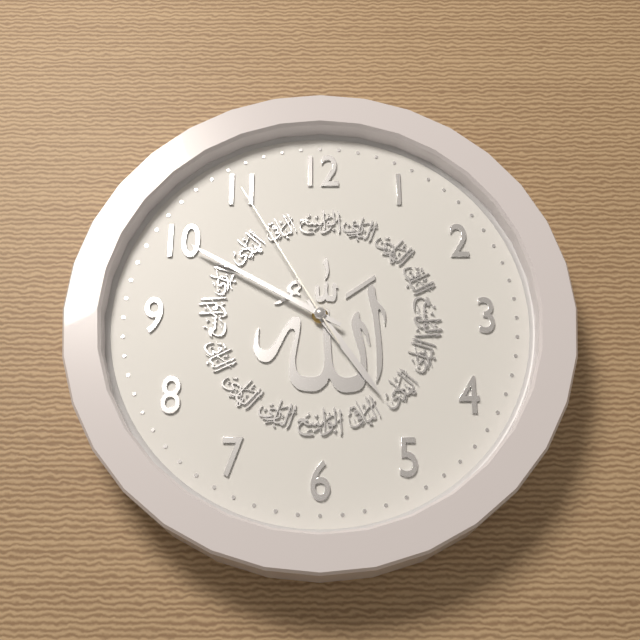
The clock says 4 h 50 min 55 s
